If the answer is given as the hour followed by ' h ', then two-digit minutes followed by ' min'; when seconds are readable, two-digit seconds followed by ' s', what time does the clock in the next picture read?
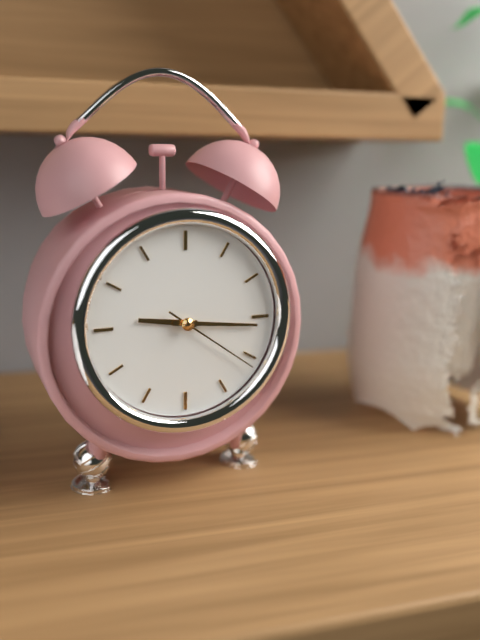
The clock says 9 h 16 min 21 s
